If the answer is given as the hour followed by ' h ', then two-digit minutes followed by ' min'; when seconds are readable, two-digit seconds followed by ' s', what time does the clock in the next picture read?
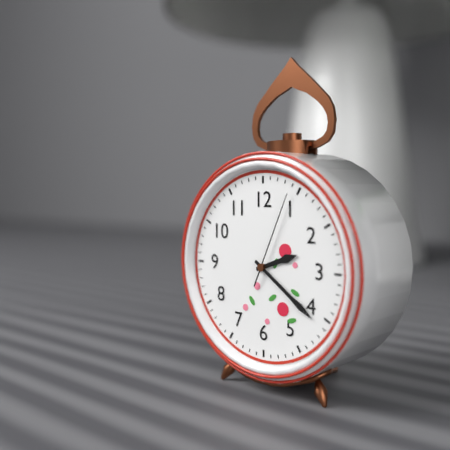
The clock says 2 h 21 min 04 s
